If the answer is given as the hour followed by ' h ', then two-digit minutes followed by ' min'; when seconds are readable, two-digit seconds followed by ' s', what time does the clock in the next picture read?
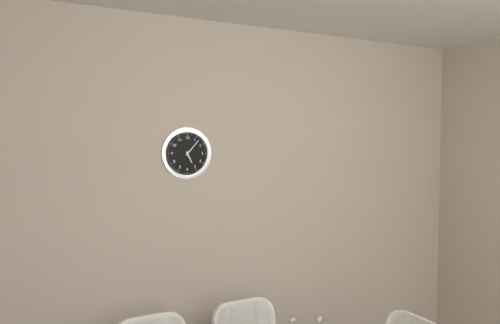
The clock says 5 h 07 min
